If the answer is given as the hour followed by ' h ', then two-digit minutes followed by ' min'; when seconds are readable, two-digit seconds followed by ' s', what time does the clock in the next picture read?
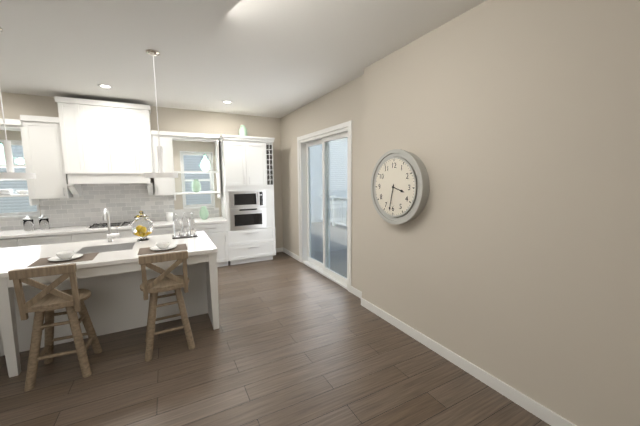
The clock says 3 h 32 min
